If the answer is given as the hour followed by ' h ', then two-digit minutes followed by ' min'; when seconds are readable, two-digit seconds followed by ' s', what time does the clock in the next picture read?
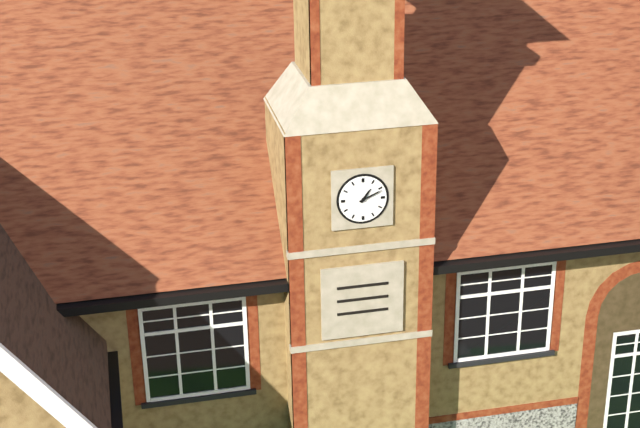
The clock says 1 h 11 min
